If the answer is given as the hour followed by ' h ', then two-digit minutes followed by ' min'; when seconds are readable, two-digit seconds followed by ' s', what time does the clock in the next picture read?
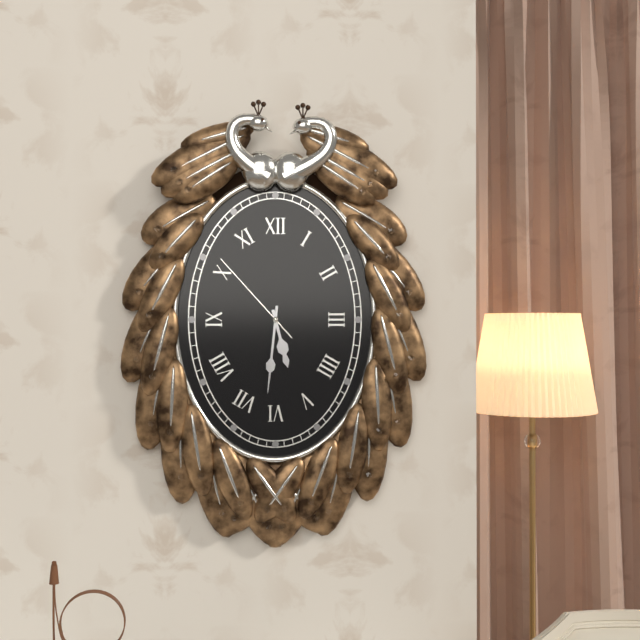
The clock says 5 h 31 min 53 s
